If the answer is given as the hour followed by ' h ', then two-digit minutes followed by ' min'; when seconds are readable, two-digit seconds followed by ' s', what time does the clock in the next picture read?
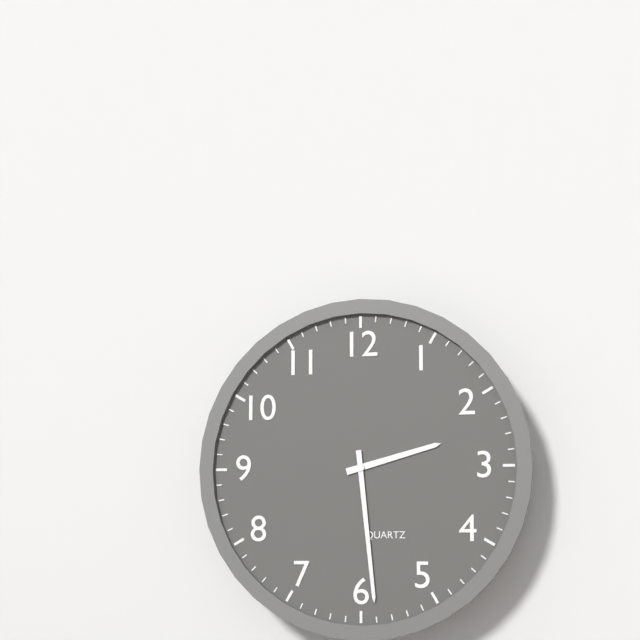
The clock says 2 h 29 min
